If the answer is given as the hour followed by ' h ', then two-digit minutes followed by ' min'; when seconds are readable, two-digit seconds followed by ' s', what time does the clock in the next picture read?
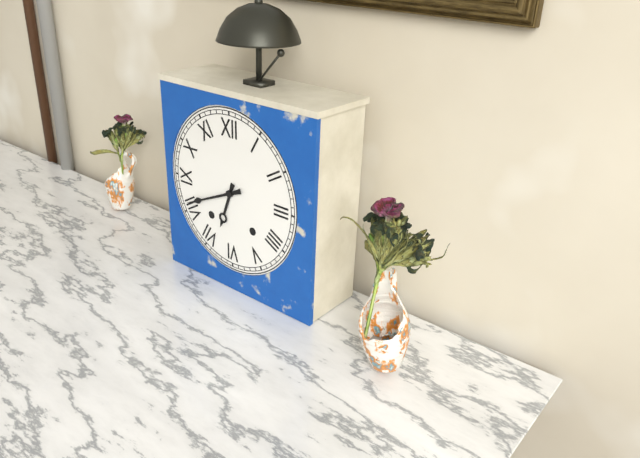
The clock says 6 h 41 min
